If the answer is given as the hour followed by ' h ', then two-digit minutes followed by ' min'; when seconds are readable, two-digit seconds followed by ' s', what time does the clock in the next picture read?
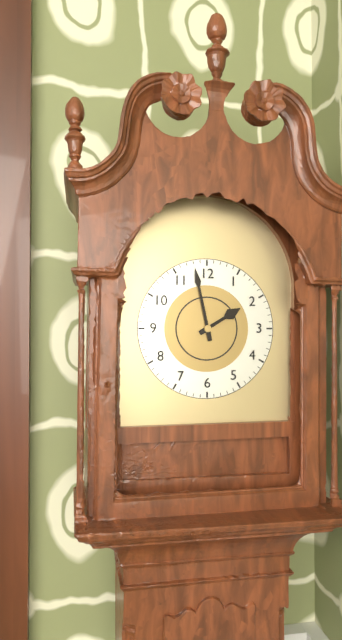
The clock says 1 h 58 min
